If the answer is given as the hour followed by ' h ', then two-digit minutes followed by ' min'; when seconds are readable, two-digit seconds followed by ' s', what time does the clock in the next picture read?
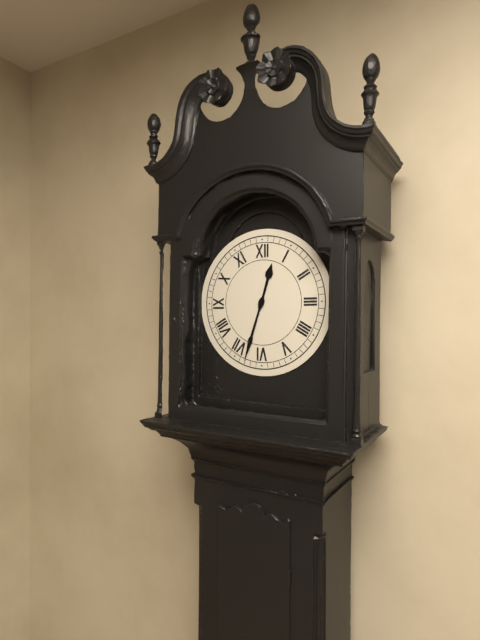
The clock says 12 h 33 min
